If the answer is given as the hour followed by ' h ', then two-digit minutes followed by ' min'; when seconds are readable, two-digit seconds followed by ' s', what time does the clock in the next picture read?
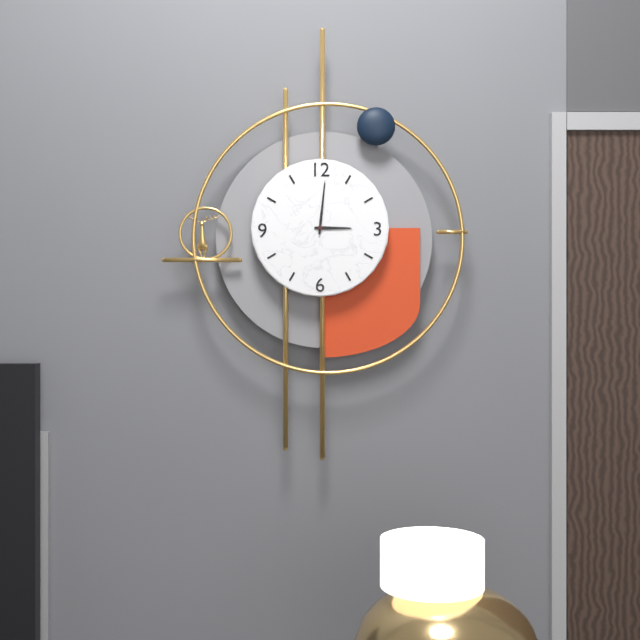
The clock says 3 h 01 min
